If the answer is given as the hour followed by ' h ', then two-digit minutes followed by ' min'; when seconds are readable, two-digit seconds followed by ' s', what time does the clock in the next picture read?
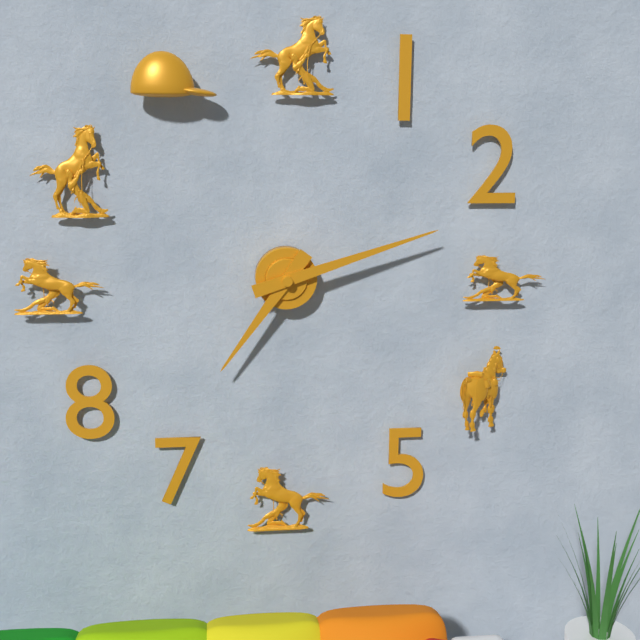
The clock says 7 h 12 min
